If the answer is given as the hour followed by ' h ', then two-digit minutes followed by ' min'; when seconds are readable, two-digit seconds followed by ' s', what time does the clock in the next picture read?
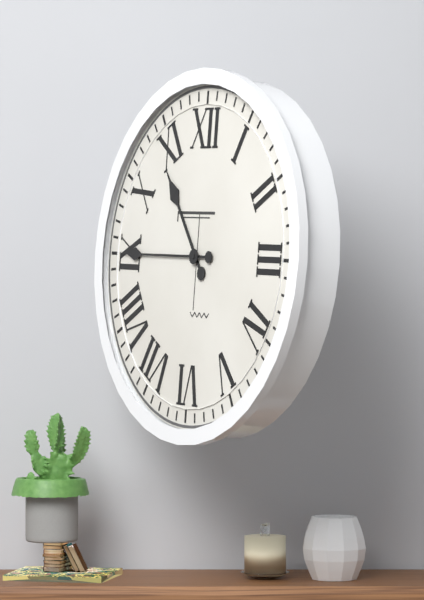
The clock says 10 h 45 min
